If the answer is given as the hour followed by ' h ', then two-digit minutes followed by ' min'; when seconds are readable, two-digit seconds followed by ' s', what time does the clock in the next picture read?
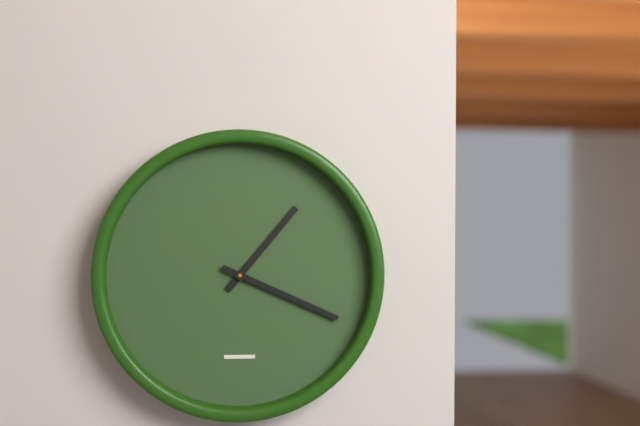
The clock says 1 h 19 min
